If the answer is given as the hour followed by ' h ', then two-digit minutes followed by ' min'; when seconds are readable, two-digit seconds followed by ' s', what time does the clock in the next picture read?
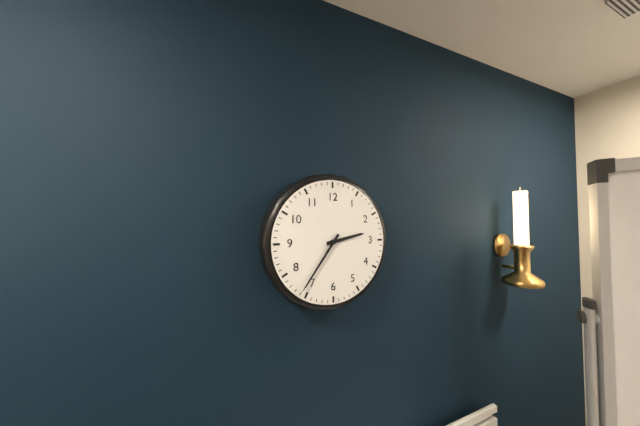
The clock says 2 h 36 min
